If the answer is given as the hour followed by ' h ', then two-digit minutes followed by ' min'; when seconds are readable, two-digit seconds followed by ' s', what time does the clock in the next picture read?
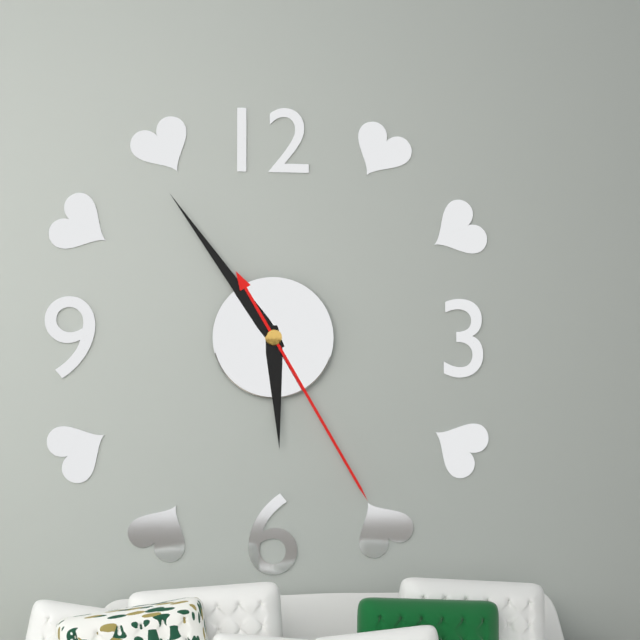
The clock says 5 h 54 min 25 s
